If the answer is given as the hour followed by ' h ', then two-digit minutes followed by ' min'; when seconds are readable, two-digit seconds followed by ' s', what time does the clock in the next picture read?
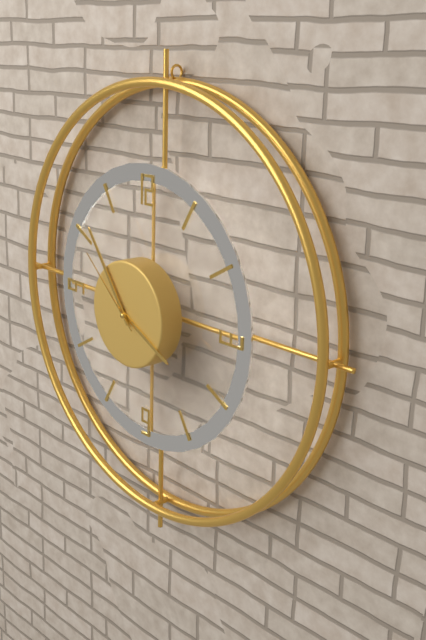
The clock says 3 h 54 min 52 s
